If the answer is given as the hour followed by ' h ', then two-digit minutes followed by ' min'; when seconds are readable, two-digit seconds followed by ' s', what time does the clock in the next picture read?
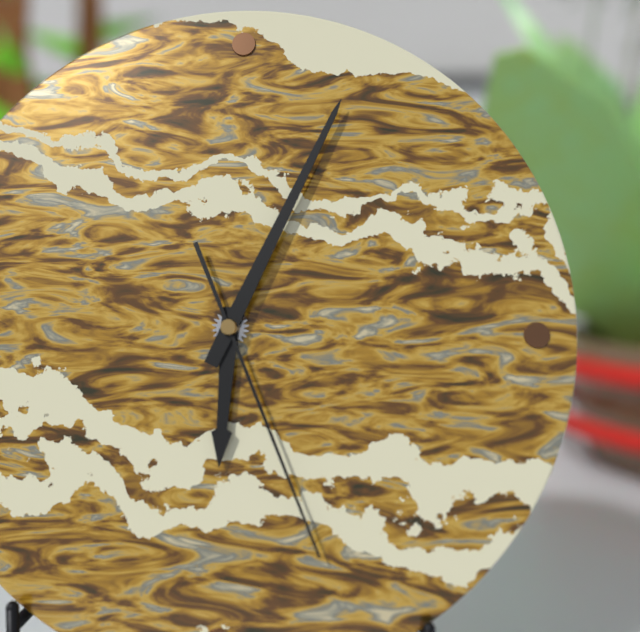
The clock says 6 h 04 min 26 s
